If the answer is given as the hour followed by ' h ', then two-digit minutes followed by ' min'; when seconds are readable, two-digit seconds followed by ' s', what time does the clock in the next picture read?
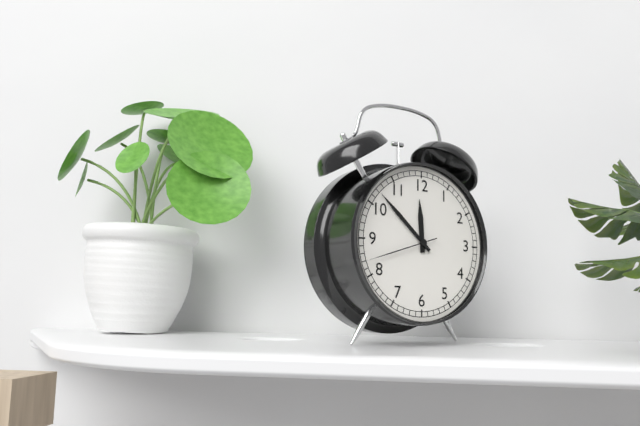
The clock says 11 h 52 min 42 s
